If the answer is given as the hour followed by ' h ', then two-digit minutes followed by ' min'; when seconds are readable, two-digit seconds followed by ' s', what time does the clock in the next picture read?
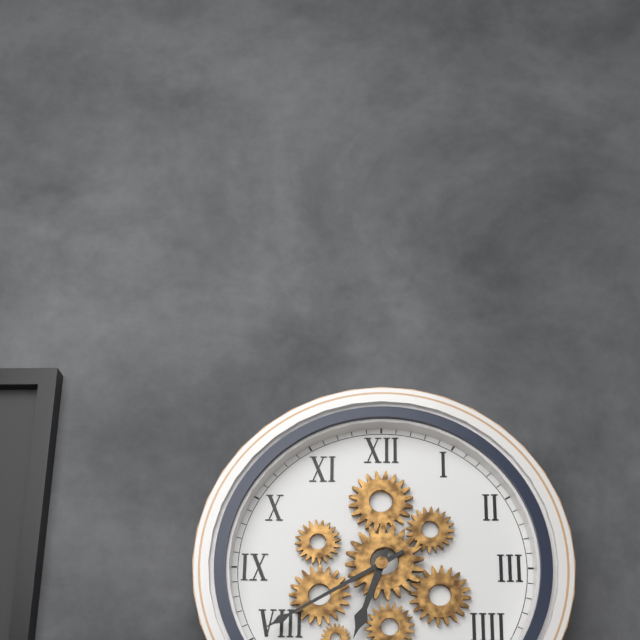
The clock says 6 h 40 min
